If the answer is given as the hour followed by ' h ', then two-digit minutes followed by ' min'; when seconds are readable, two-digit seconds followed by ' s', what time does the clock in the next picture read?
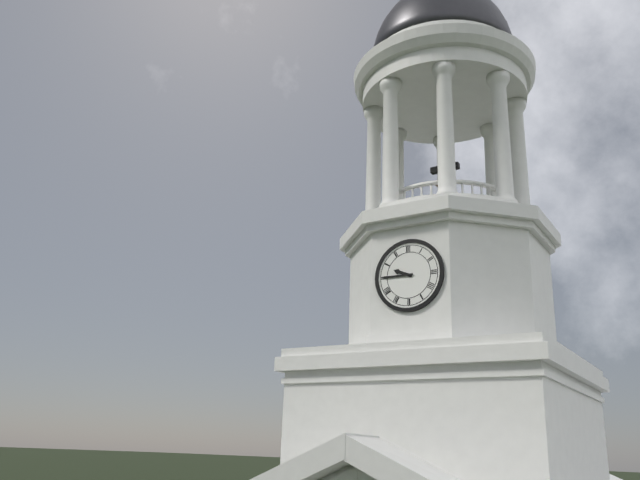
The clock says 9 h 45 min
